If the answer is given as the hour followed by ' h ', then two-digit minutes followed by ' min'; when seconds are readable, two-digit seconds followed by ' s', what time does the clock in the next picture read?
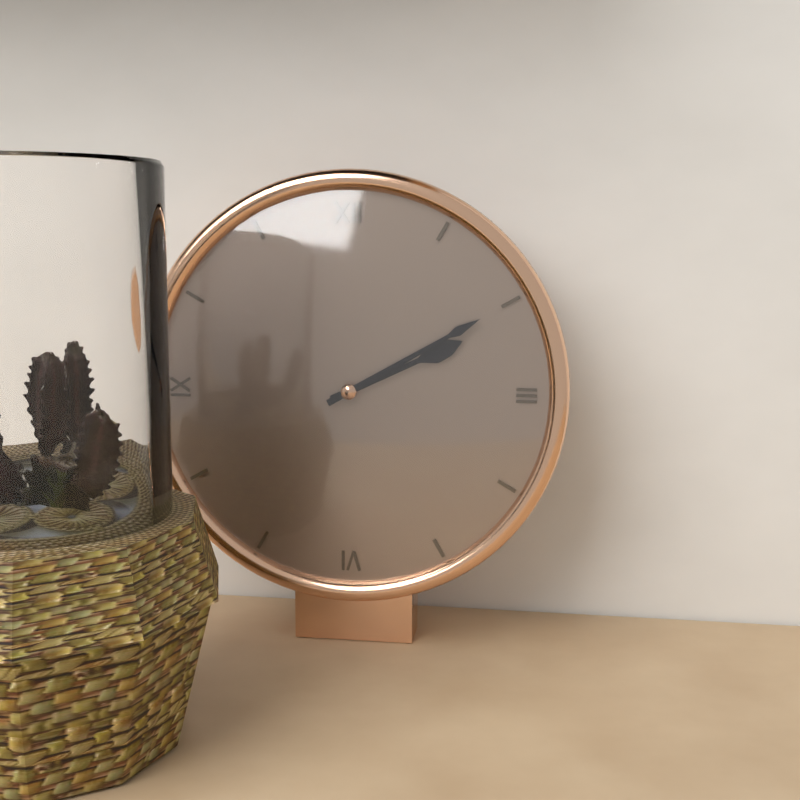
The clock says 2 h 10 min
